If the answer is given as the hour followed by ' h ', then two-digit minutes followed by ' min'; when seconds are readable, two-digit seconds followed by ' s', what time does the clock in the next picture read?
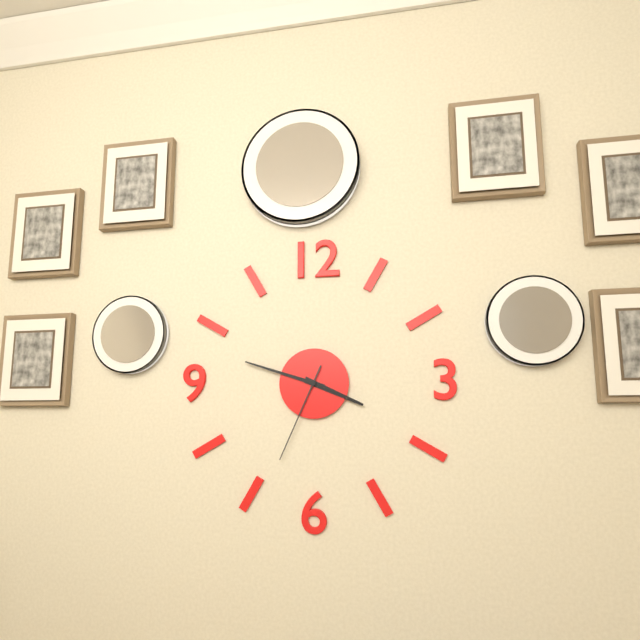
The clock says 3 h 48 min 34 s
